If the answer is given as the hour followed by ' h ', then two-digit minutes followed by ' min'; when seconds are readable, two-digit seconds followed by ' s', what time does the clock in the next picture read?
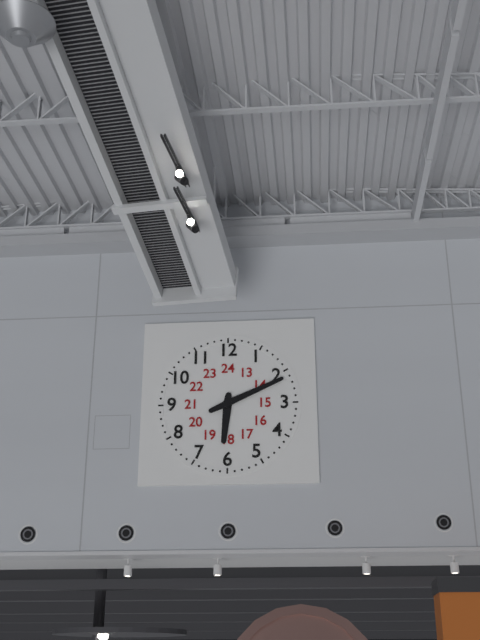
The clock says 6 h 11 min
